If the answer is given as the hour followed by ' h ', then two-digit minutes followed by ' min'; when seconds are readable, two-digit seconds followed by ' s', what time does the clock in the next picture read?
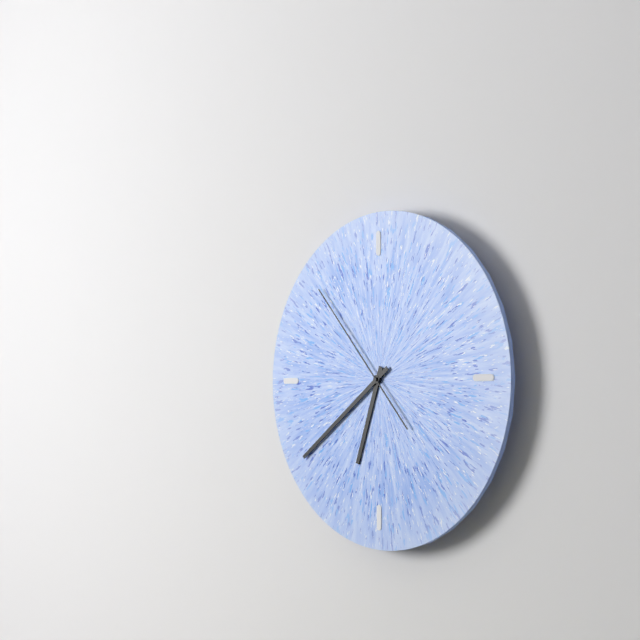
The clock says 6 h 39 min 53 s
